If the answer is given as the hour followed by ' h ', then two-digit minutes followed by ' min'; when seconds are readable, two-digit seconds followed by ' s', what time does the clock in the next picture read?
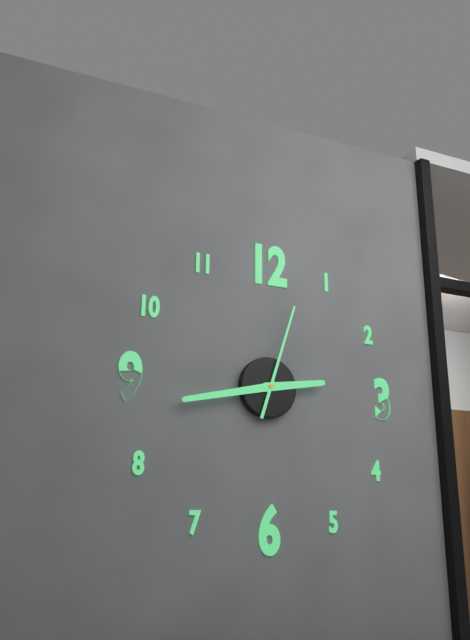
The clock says 2 h 43 min 03 s
